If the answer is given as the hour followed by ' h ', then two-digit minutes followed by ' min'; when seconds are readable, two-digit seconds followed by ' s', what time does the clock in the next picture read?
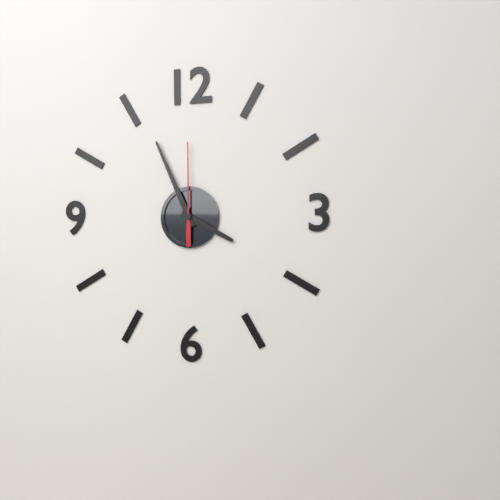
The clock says 3 h 56 min 00 s
